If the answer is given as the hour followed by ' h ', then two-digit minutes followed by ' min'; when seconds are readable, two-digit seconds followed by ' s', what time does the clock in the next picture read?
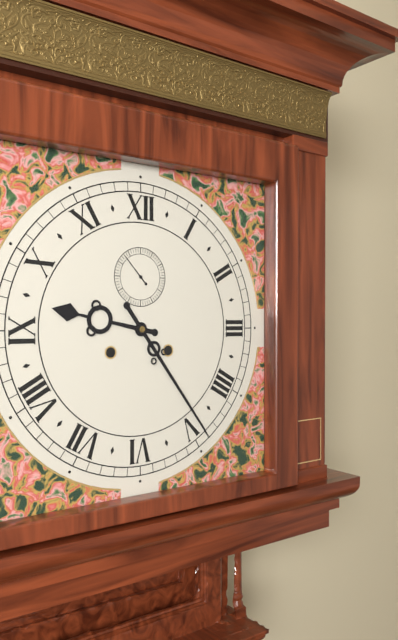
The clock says 9 h 24 min
